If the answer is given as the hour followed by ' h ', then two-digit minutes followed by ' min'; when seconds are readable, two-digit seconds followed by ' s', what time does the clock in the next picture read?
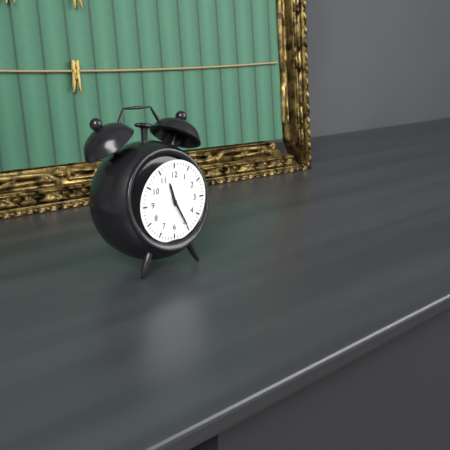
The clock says 11 h 25 min
